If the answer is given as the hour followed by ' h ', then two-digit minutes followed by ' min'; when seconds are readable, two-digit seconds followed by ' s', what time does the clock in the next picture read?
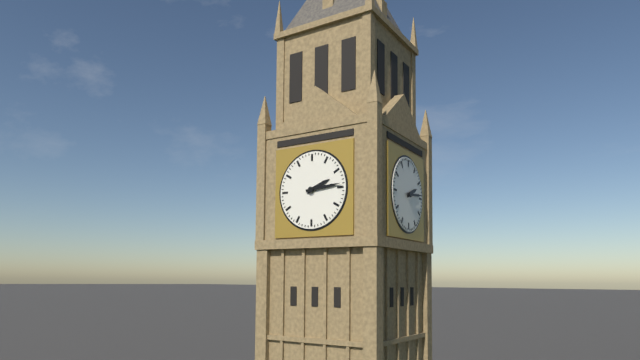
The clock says 2 h 14 min
